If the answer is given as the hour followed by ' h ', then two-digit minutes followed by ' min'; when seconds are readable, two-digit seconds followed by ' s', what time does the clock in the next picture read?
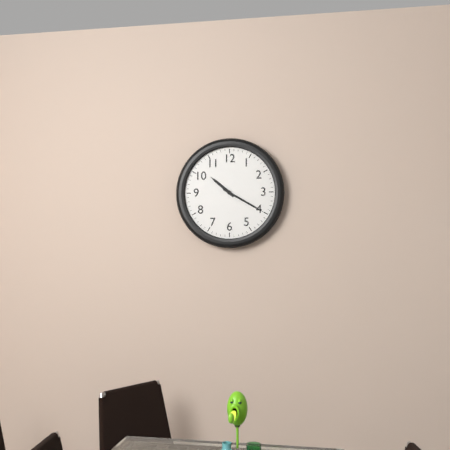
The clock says 10 h 20 min
